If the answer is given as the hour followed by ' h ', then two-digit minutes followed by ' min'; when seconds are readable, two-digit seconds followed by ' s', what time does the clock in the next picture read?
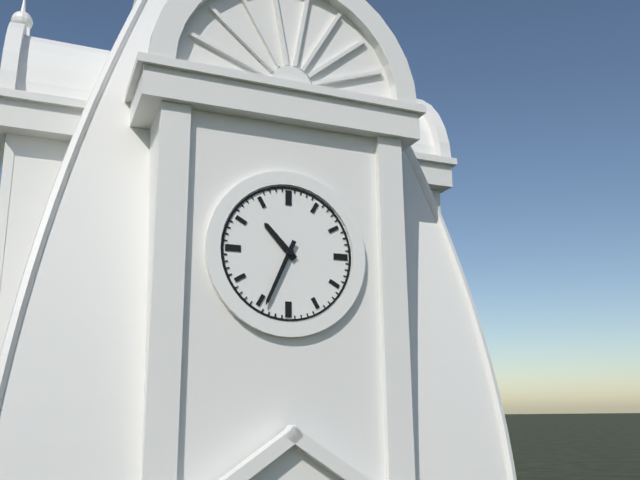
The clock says 10 h 34 min
